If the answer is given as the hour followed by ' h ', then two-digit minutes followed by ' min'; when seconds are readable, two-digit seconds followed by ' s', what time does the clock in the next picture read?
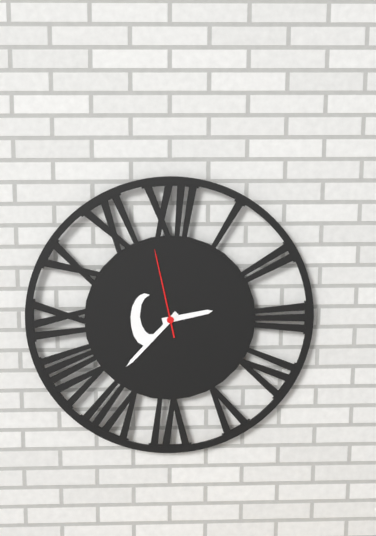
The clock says 2 h 37 min 58 s
